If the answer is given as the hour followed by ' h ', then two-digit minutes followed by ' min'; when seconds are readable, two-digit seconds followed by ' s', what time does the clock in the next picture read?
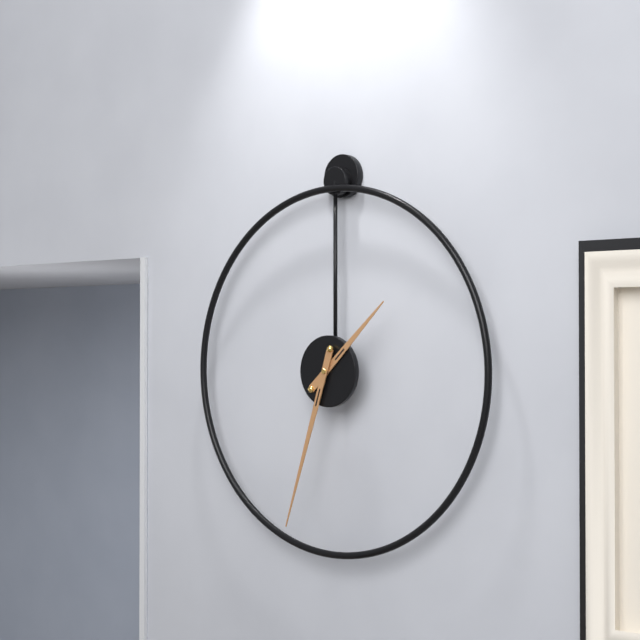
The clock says 1 h 33 min
